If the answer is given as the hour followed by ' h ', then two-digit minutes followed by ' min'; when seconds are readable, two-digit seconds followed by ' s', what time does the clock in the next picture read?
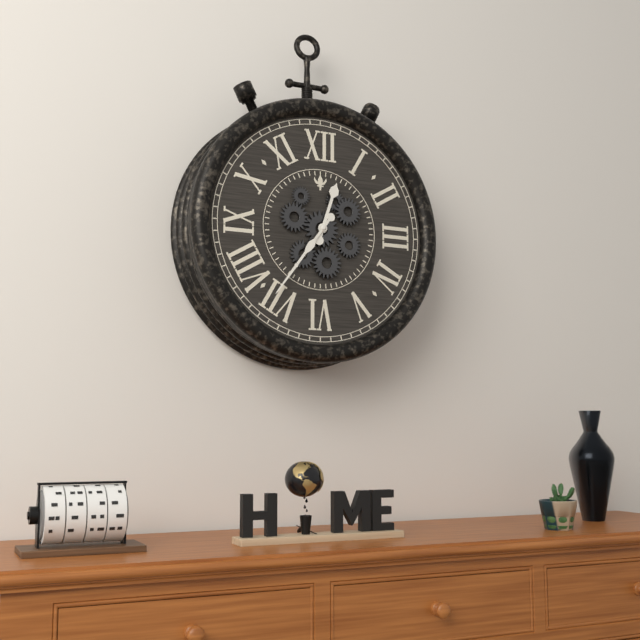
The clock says 12 h 36 min
